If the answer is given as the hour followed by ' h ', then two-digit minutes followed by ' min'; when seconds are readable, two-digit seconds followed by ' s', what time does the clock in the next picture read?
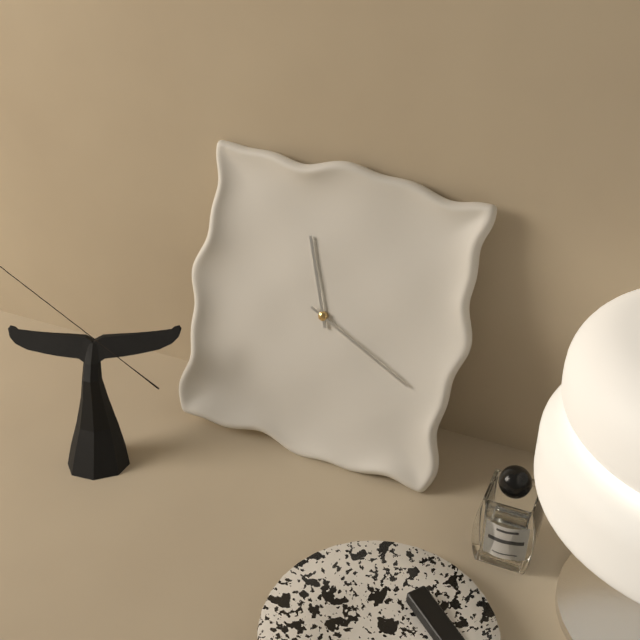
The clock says 11 h 19 min
